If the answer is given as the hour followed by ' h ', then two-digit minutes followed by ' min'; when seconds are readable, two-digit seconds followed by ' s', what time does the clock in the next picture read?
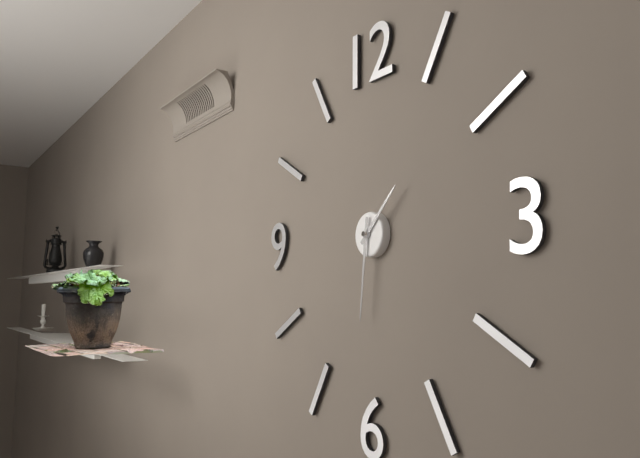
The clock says 1 h 31 min
